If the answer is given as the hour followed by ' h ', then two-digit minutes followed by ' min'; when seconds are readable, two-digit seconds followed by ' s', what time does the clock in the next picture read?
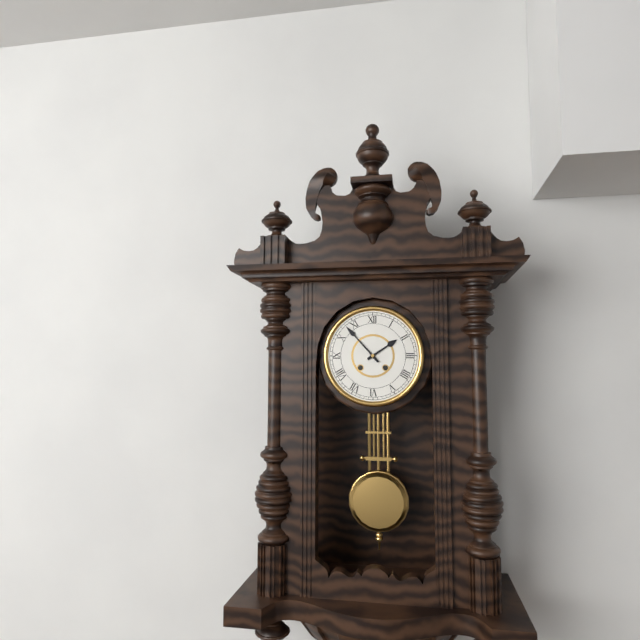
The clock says 1 h 53 min
